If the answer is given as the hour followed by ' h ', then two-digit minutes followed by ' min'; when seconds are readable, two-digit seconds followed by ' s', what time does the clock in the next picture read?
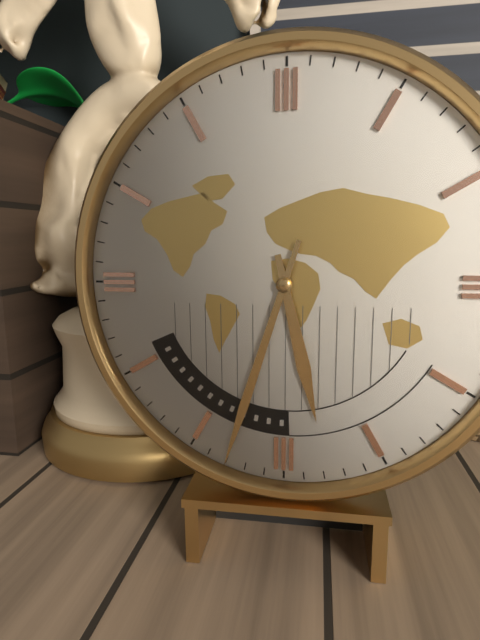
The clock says 5 h 33 min
